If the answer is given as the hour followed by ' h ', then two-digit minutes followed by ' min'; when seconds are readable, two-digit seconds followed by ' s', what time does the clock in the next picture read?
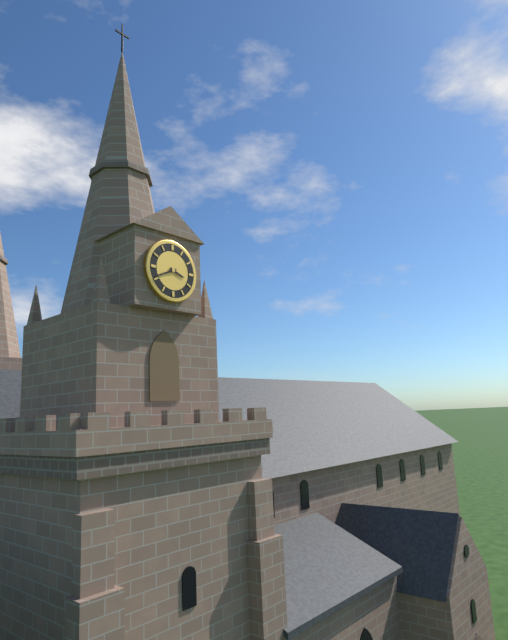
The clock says 3 h 41 min
